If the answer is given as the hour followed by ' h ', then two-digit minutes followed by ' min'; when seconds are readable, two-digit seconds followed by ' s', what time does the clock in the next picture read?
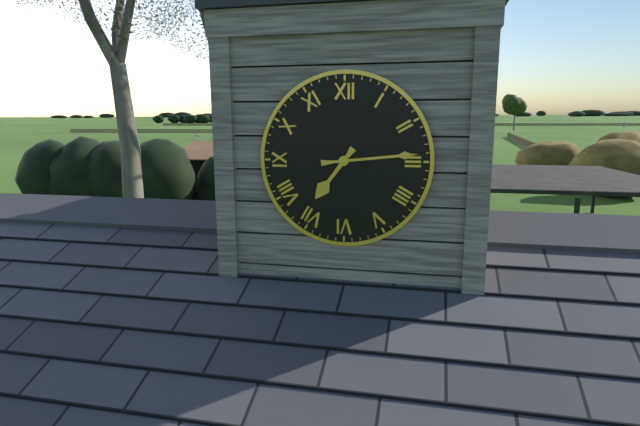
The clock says 7 h 14 min
